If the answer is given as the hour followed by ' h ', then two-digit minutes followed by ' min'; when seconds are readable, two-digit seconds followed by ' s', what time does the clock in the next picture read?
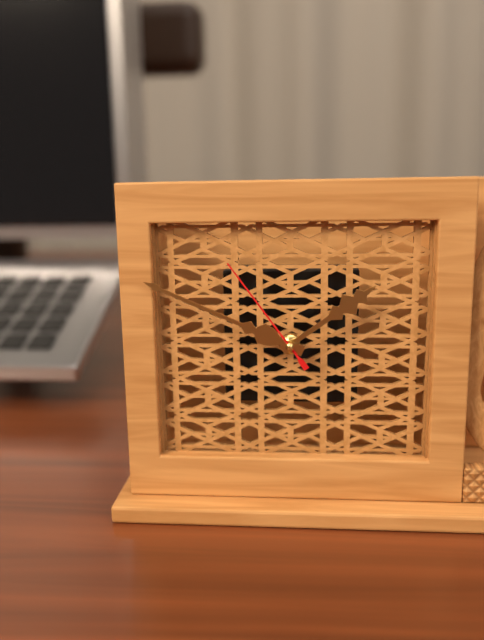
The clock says 1 h 49 min 54 s
